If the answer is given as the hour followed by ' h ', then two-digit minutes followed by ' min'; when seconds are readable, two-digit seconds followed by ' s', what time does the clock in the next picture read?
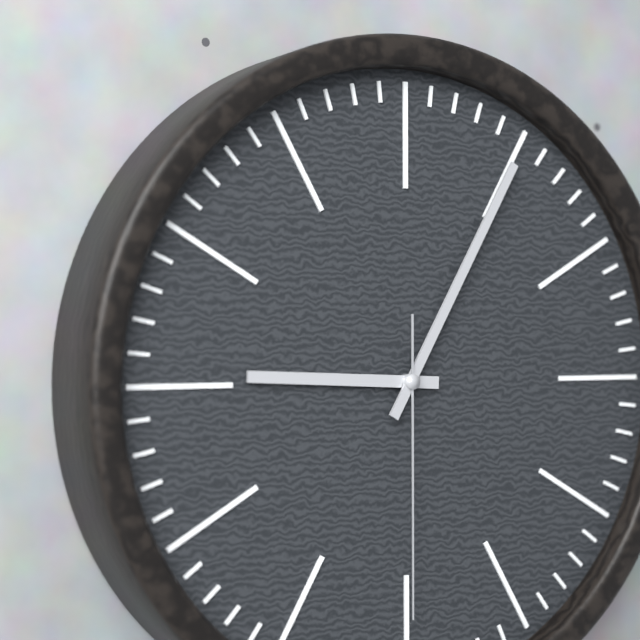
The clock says 9 h 05 min 30 s
